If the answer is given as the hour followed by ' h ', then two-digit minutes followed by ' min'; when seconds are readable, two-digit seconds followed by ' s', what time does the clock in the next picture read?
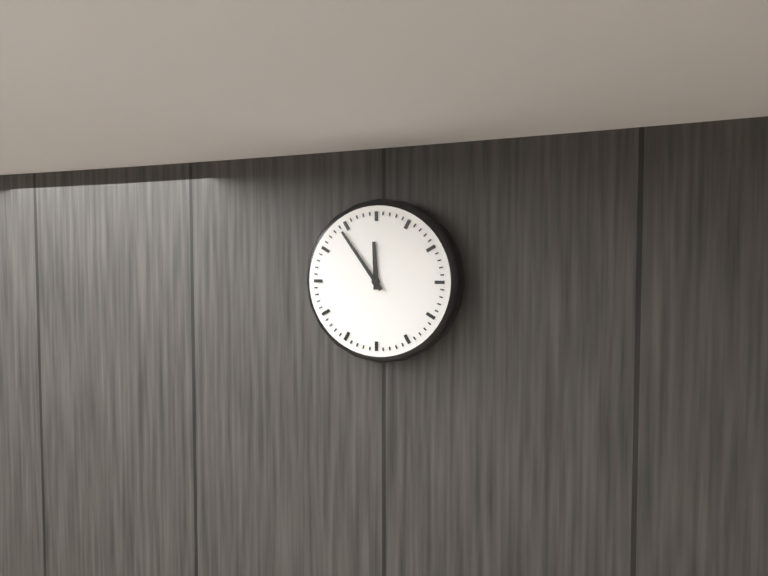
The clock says 11 h 54 min
